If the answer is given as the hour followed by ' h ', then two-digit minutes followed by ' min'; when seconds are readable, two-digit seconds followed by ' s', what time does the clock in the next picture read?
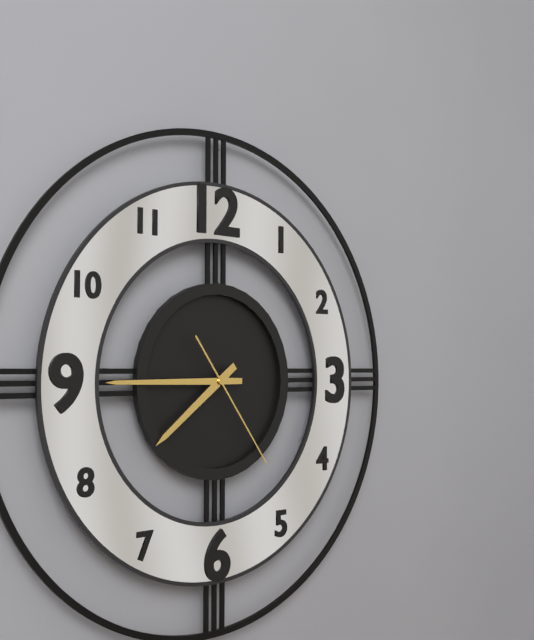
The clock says 7 h 45 min 24 s
